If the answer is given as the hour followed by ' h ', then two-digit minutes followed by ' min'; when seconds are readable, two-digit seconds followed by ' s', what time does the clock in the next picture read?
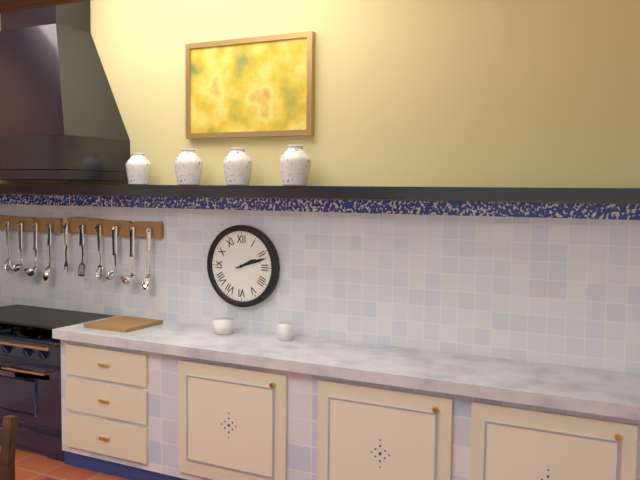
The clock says 2 h 12 min
